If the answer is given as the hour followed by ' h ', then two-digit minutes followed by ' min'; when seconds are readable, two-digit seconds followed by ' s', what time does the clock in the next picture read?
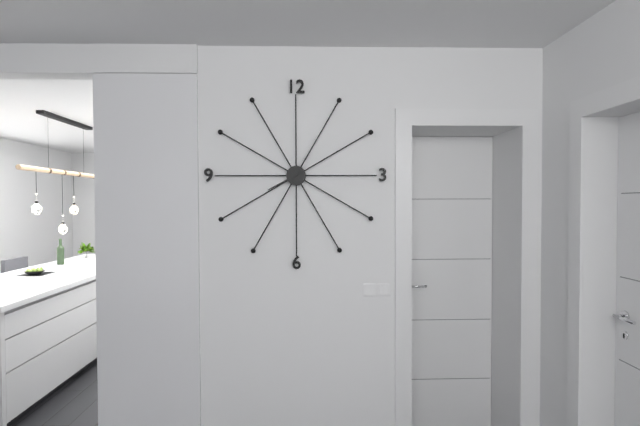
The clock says 8 h 05 min
